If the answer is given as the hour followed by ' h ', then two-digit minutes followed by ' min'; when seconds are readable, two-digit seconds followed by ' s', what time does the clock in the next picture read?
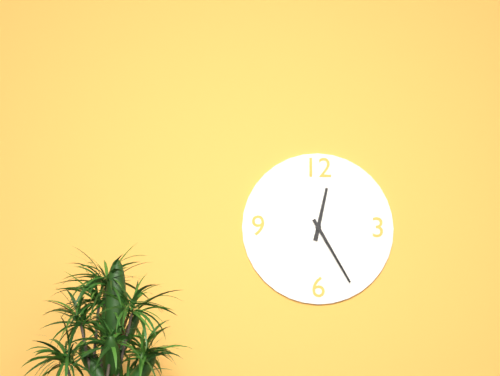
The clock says 12 h 25 min
